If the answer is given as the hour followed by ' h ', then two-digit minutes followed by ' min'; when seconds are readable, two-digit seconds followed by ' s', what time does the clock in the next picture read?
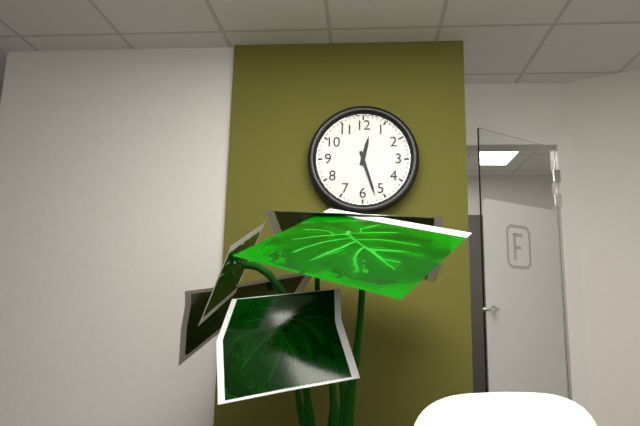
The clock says 12 h 27 min
